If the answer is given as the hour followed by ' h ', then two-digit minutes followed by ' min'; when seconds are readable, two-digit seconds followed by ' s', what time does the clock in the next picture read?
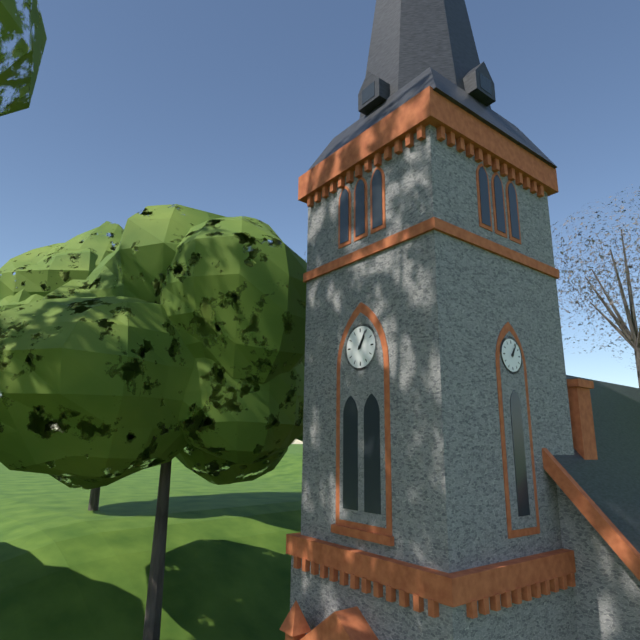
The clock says 1 h 05 min
